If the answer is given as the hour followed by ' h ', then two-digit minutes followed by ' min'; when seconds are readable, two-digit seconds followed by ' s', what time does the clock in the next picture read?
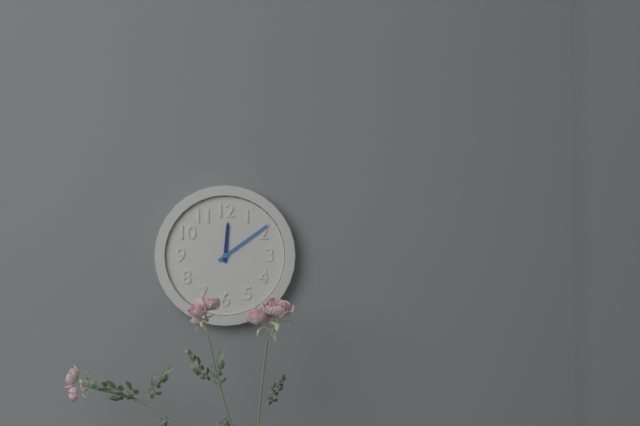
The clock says 12 h 09 min
